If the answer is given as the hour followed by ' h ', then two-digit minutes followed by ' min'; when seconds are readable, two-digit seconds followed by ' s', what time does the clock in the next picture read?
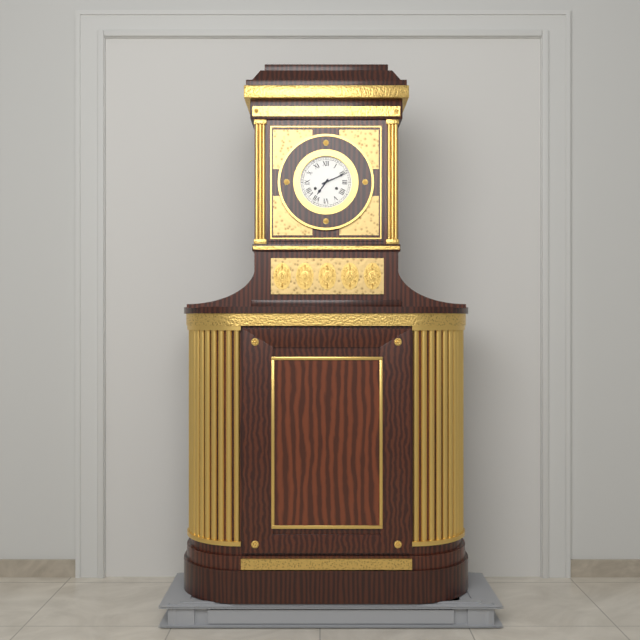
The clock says 7 h 11 min
